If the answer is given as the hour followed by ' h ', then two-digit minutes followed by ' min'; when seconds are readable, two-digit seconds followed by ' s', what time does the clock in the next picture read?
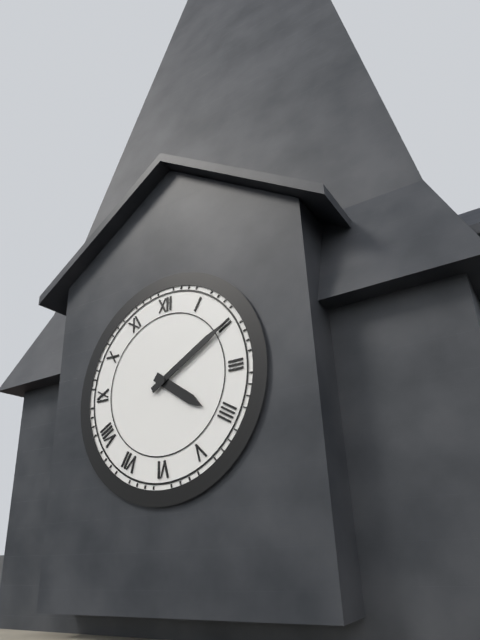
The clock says 4 h 10 min
